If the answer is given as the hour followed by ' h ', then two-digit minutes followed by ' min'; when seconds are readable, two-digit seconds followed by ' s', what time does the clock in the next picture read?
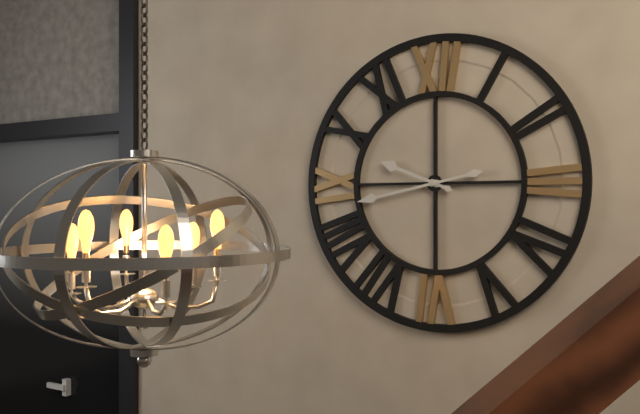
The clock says 9 h 43 min
